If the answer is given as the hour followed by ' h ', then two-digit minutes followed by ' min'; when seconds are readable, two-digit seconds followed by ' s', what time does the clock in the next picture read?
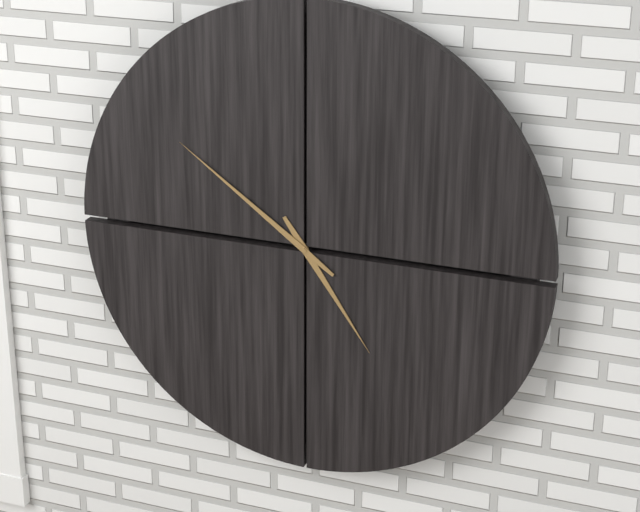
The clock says 4 h 51 min
